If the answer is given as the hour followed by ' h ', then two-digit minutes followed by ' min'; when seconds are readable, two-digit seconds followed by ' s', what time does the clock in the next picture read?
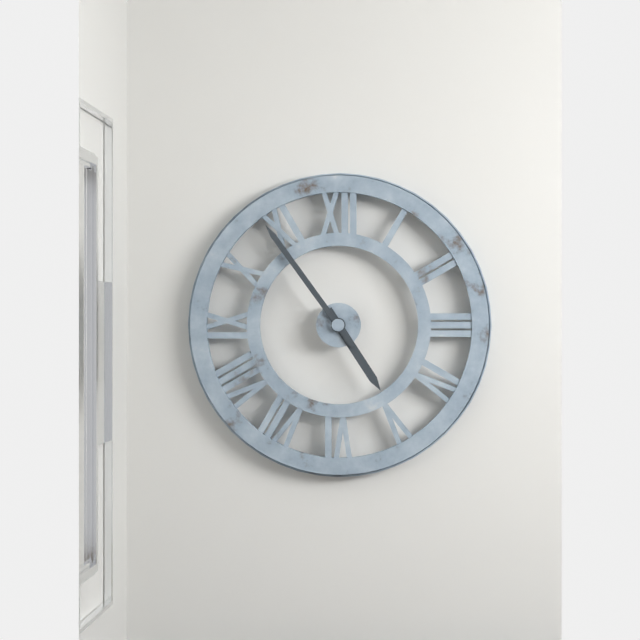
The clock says 4 h 54 min
